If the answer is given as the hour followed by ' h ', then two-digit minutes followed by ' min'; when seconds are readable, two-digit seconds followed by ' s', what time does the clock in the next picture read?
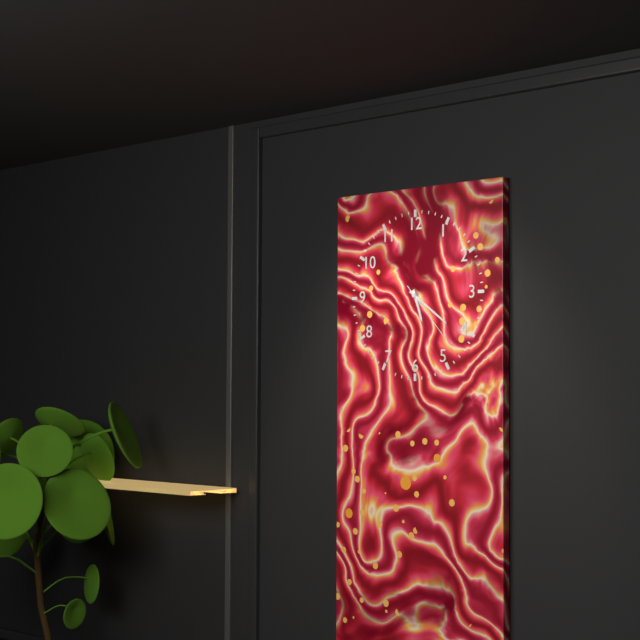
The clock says 5 h 21 min 23 s
